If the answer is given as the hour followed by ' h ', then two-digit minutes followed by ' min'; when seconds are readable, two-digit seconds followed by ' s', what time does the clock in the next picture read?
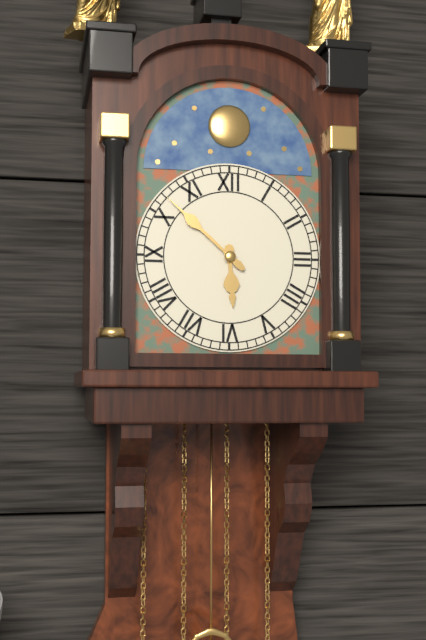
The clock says 5 h 52 min
